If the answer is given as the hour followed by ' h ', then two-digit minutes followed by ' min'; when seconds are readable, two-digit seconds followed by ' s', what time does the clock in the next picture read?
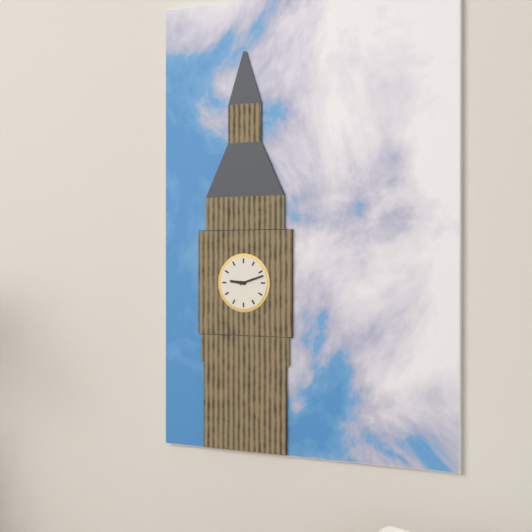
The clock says 9 h 12 min
